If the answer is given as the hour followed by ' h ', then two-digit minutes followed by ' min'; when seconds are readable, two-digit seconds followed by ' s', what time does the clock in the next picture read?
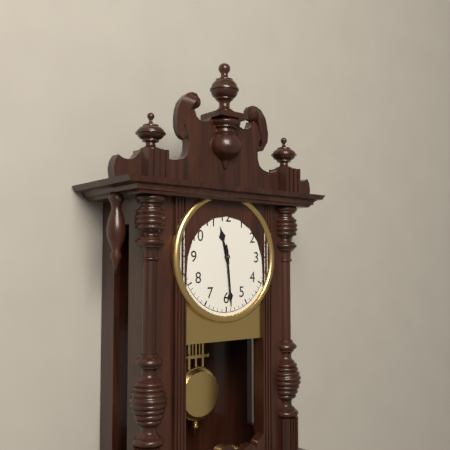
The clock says 11 h 29 min
